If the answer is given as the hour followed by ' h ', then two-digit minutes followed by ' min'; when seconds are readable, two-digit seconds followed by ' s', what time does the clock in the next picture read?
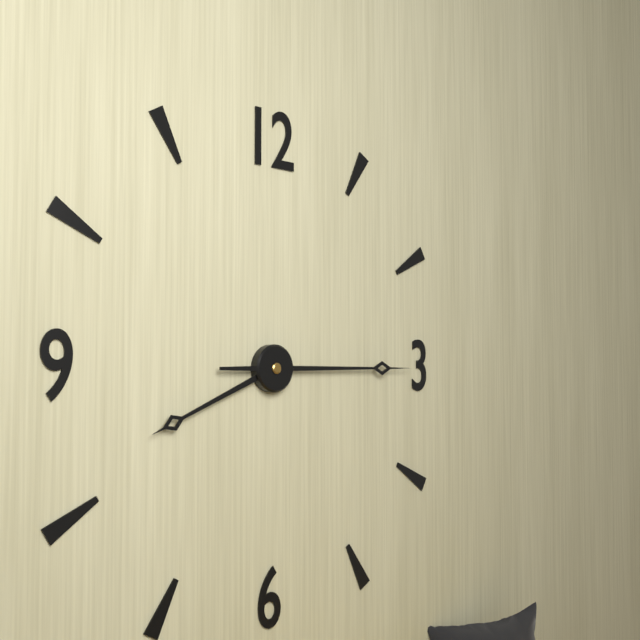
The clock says 8 h 15 min
